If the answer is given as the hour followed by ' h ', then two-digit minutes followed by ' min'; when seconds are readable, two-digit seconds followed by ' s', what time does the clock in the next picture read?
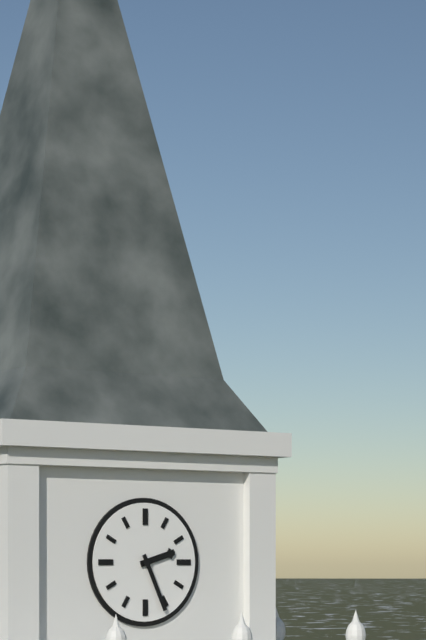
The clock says 2 h 26 min
